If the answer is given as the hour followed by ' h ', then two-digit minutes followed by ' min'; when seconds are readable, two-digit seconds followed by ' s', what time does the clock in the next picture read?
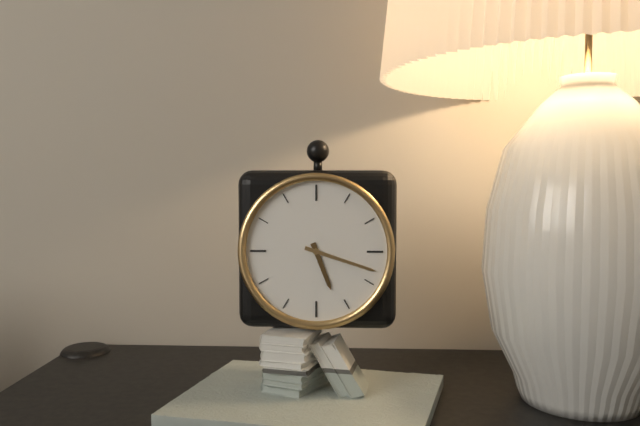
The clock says 5 h 18 min
